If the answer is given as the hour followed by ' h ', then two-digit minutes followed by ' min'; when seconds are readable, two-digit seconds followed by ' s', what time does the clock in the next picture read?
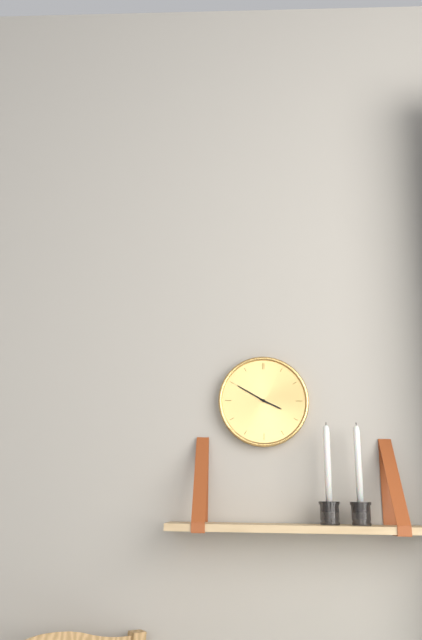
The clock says 3 h 50 min
